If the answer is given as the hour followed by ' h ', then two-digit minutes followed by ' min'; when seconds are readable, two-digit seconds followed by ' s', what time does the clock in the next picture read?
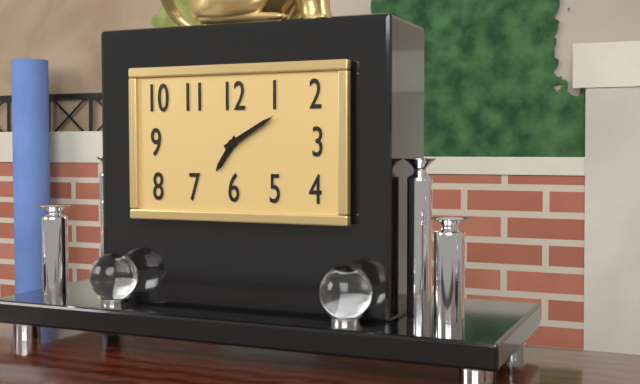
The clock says 7 h 10 min
